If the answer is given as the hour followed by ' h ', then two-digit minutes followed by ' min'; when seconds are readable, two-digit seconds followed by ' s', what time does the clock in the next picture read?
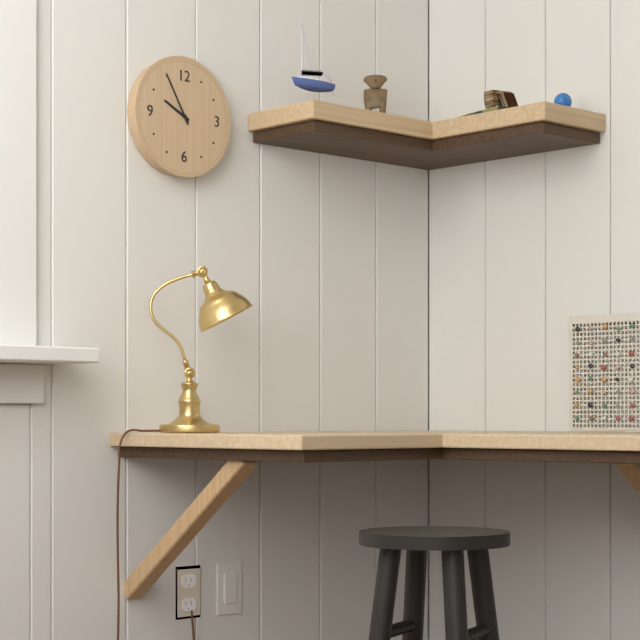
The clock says 9 h 55 min
